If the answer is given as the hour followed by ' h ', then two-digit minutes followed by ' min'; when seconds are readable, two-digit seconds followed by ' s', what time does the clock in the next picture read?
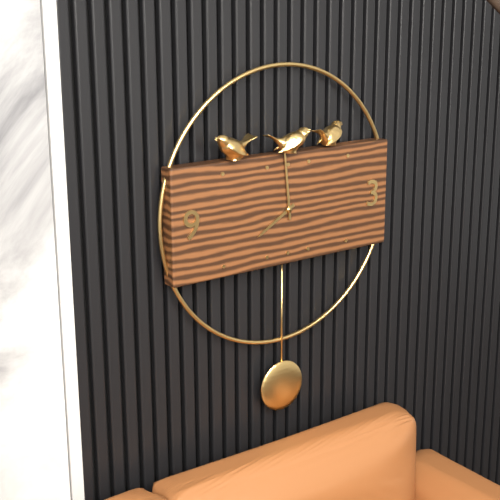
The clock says 7 h 59 min
